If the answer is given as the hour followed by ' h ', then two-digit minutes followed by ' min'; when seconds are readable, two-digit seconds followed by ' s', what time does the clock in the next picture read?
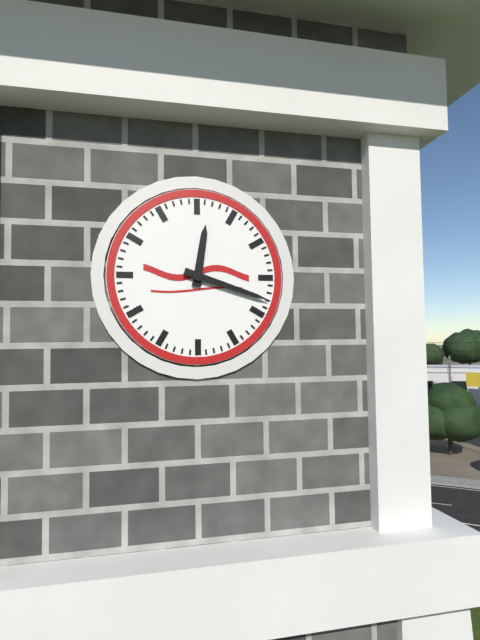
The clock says 12 h 18 min
